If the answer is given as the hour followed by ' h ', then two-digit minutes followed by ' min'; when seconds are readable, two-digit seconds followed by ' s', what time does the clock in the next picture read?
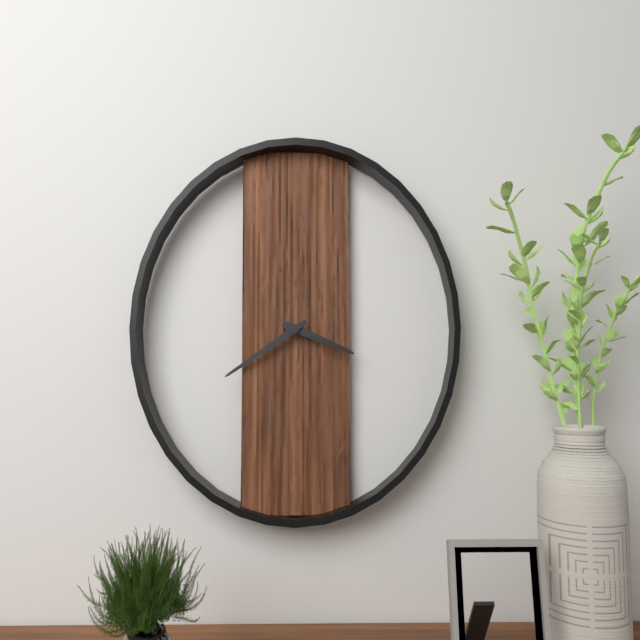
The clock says 3 h 40 min
